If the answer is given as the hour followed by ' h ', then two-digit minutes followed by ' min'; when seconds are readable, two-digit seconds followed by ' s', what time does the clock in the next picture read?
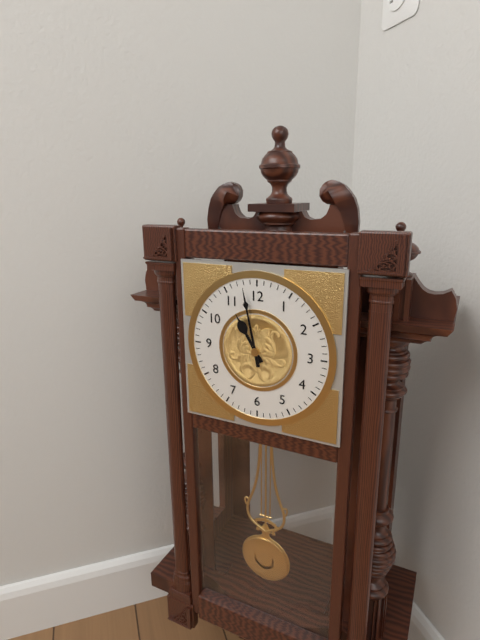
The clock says 10 h 58 min
